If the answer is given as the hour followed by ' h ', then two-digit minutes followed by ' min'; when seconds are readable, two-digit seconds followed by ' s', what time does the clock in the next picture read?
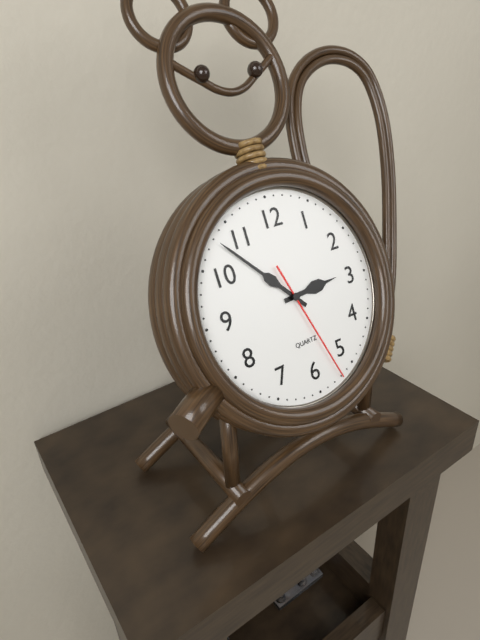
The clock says 2 h 53 min 27 s
